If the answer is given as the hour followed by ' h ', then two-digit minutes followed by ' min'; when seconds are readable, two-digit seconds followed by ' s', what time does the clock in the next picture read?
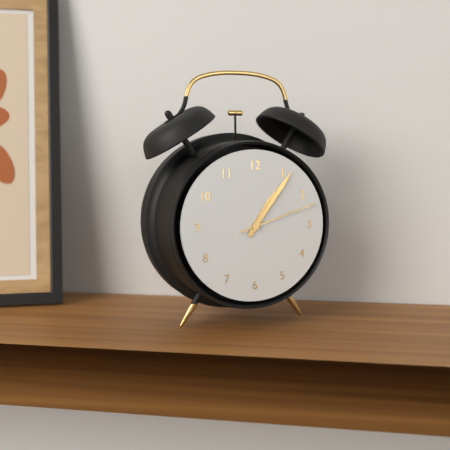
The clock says 1 h 06 min 12 s
